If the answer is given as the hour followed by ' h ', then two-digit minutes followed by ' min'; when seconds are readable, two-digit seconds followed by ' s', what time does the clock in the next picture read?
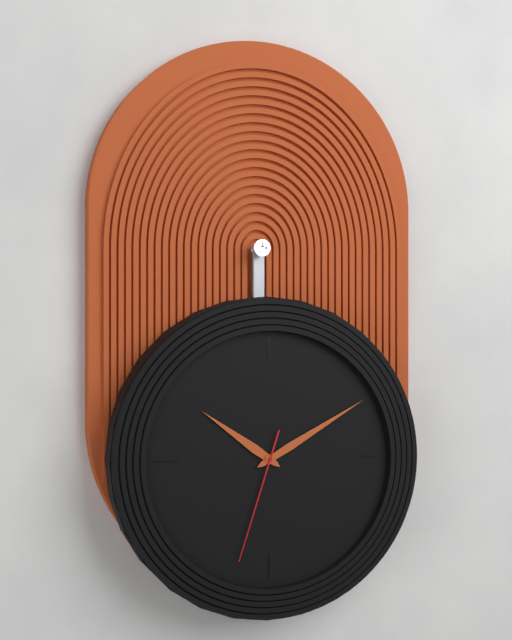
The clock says 10 h 10 min 33 s
